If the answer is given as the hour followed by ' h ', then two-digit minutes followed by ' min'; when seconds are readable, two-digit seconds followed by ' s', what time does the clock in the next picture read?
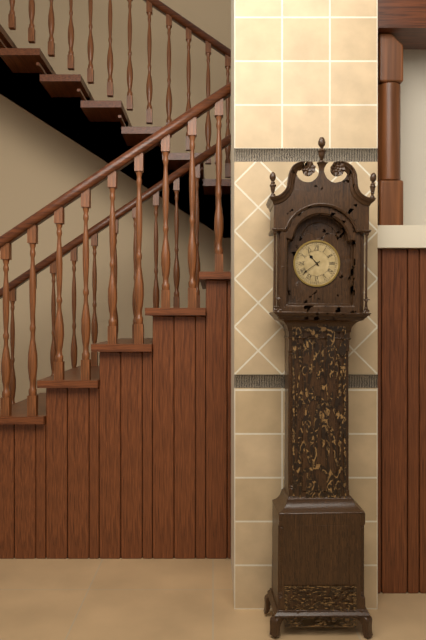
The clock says 10 h 39 min
